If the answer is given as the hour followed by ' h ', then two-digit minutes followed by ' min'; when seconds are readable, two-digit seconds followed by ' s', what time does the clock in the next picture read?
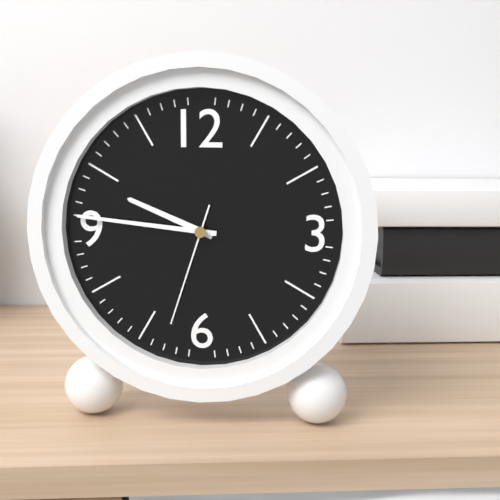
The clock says 9 h 46 min 33 s
